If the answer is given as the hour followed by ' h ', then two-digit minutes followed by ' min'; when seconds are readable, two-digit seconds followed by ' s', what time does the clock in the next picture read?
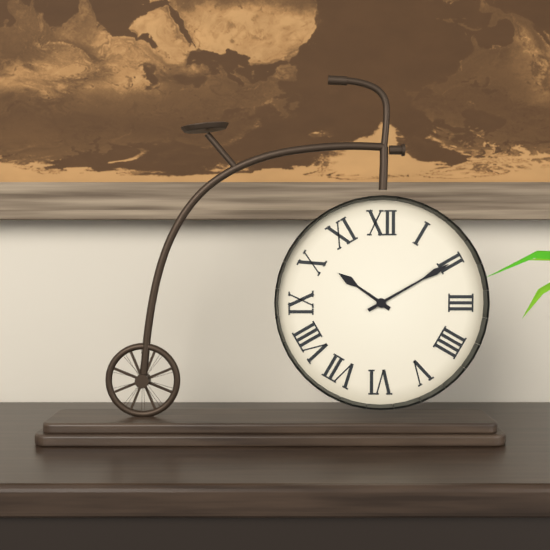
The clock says 10 h 10 min
